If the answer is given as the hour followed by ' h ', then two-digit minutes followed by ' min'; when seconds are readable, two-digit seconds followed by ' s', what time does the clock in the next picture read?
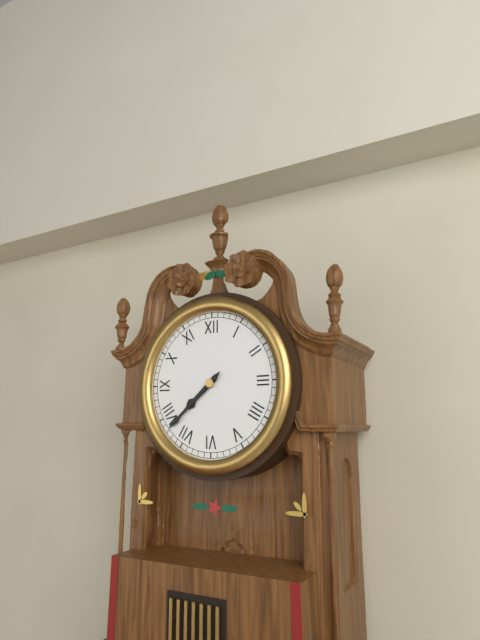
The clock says 7 h 38 min
